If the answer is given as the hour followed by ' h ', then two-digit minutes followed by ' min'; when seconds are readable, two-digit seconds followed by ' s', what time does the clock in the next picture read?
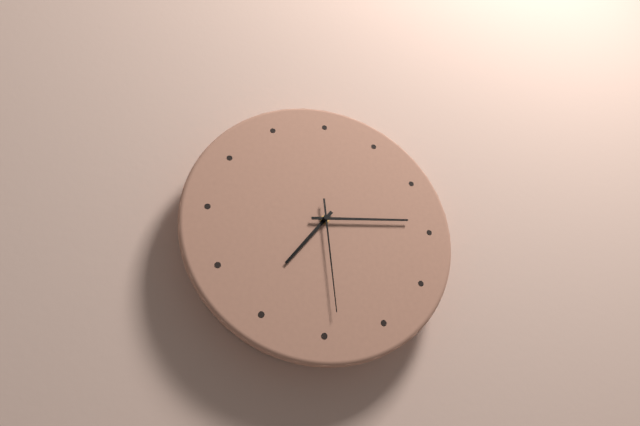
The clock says 7 h 14 min 29 s
